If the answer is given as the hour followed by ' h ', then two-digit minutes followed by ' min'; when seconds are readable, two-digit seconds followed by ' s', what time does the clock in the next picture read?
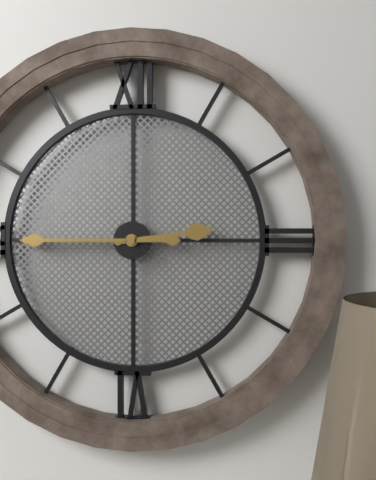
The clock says 2 h 45 min
